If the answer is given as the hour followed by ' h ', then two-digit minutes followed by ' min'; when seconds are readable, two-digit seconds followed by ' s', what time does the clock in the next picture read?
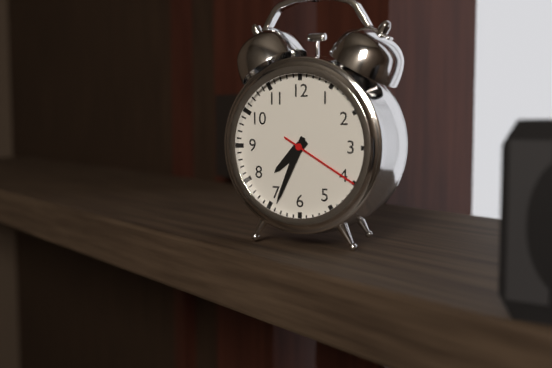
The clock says 7 h 34 min 20 s
